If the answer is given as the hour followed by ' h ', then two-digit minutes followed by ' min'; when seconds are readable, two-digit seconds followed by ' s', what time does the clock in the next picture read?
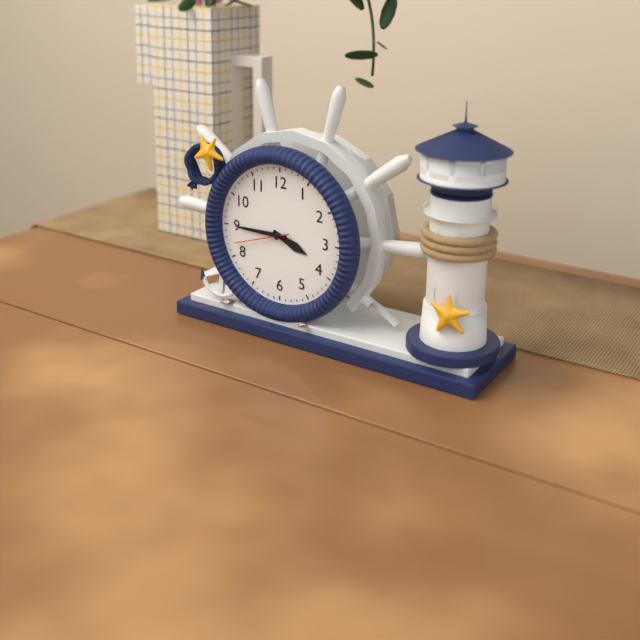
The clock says 3 h 45 min 42 s
